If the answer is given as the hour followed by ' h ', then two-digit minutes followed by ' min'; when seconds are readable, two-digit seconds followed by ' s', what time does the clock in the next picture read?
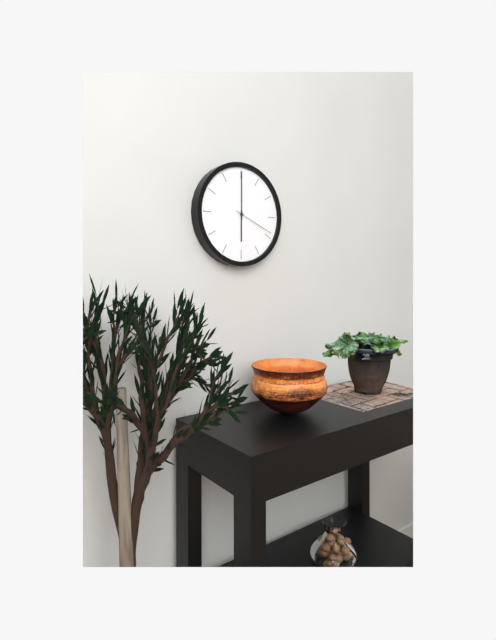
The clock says 6 h 00 min
